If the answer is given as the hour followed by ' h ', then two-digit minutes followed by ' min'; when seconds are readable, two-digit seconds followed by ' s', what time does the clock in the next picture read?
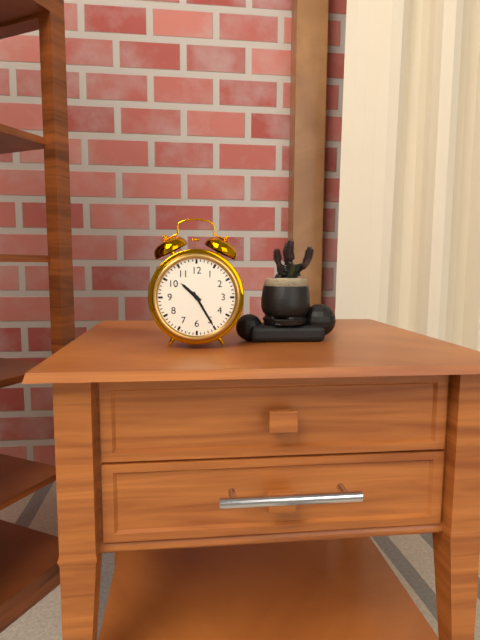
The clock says 10 h 25 min
